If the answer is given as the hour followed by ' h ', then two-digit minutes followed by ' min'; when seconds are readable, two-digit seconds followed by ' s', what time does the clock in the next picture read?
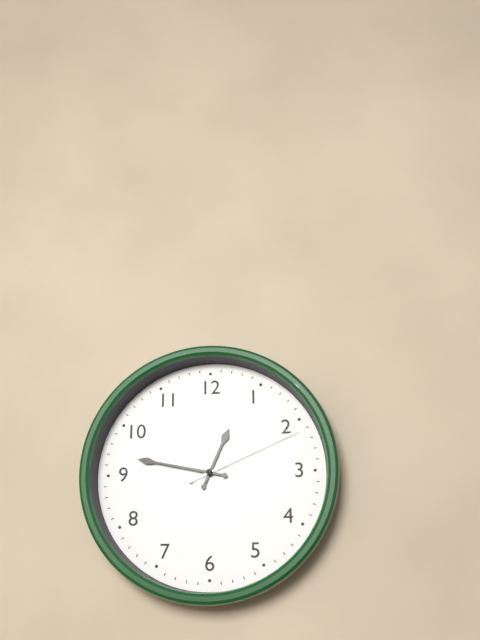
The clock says 12 h 47 min 11 s
